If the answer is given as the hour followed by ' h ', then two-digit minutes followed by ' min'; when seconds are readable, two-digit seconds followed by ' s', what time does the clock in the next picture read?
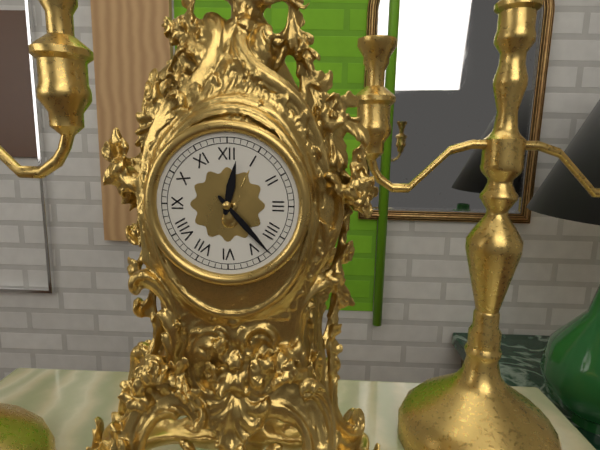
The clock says 12 h 23 min
